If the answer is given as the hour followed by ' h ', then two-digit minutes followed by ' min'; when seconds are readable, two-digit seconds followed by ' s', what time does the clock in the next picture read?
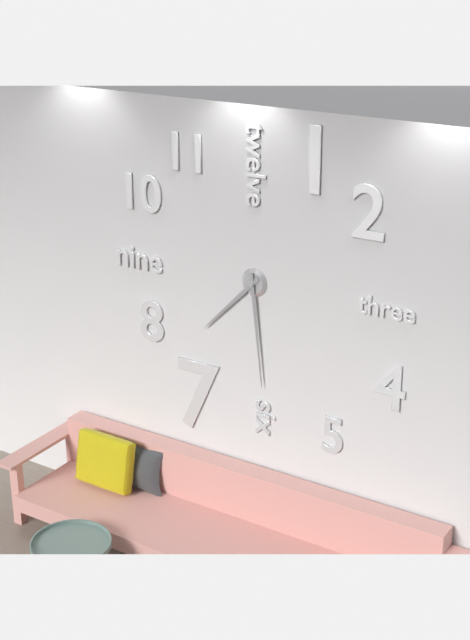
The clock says 7 h 29 min
